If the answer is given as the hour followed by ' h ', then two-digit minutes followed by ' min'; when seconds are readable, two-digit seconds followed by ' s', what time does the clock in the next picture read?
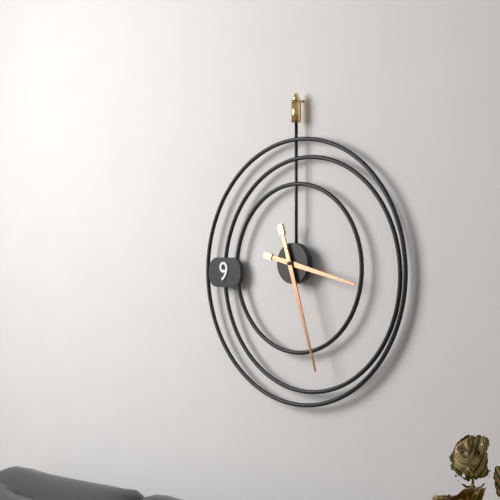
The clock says 3 h 27 min
